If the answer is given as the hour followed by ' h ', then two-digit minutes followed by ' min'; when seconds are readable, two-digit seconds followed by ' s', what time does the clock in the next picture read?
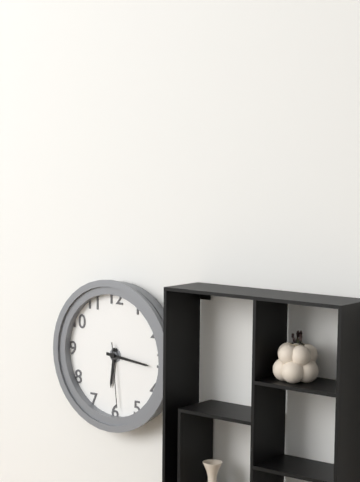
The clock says 6 h 16 min 29 s
